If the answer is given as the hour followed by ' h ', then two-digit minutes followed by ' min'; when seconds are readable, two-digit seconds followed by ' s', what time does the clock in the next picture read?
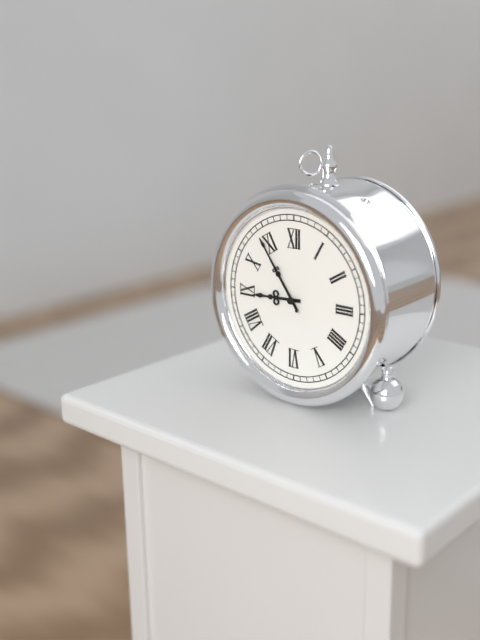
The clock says 8 h 54 min 54 s
